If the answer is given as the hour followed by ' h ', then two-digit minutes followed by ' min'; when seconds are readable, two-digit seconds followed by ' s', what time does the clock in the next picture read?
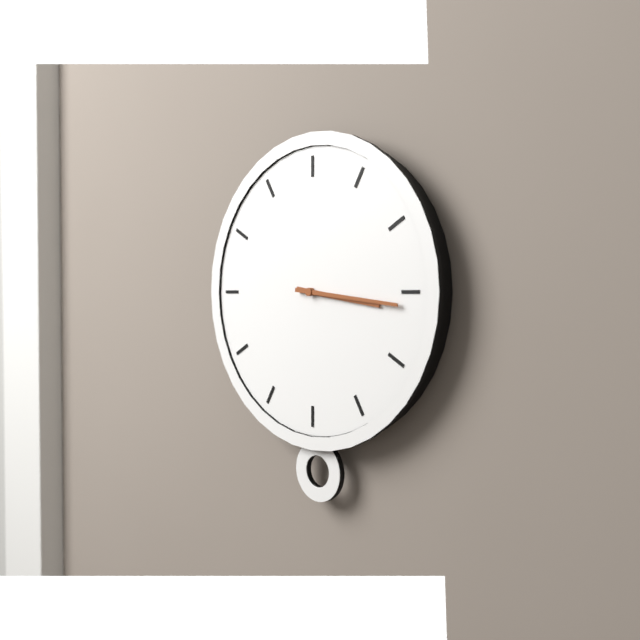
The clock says 3 h 16 min
